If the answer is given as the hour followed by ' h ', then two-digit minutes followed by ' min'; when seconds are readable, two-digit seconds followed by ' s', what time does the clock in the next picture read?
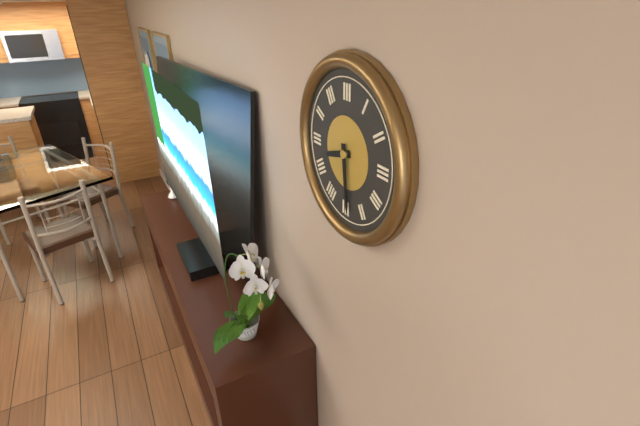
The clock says 8 h 29 min
